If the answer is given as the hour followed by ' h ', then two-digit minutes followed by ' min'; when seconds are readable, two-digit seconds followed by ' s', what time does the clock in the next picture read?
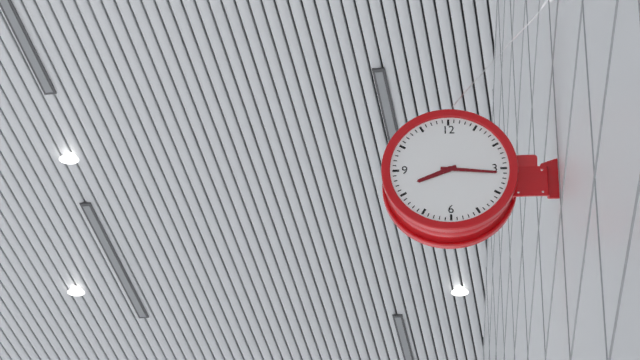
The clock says 8 h 16 min
